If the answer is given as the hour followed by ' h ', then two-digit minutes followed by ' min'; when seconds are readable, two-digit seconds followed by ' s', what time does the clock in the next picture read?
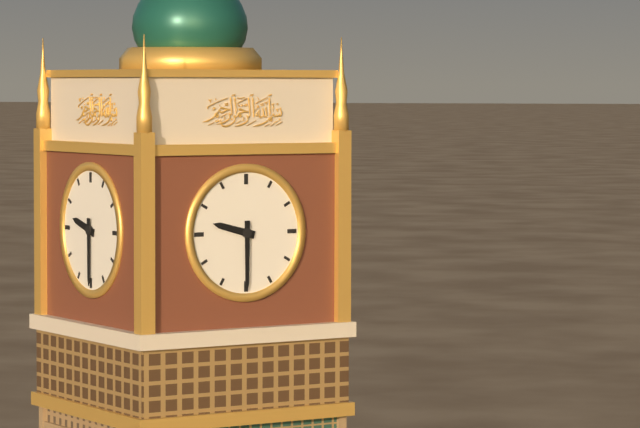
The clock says 9 h 30 min
